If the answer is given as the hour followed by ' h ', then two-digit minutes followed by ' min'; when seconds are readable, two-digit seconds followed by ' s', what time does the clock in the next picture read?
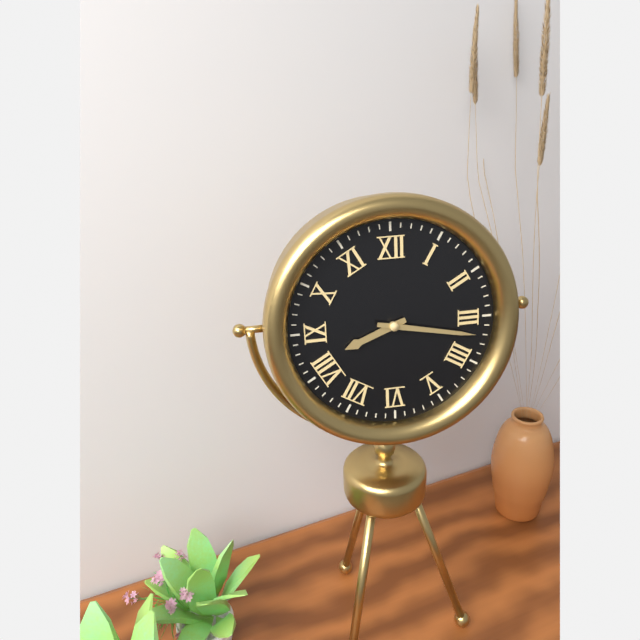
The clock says 8 h 17 min
